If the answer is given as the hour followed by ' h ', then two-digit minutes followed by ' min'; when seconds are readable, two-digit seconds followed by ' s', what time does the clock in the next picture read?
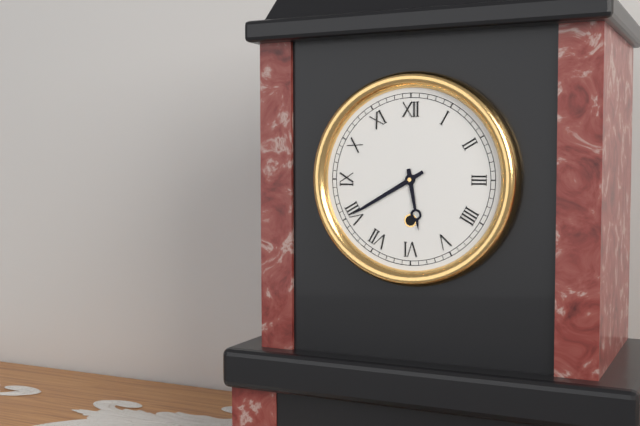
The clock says 5 h 40 min
